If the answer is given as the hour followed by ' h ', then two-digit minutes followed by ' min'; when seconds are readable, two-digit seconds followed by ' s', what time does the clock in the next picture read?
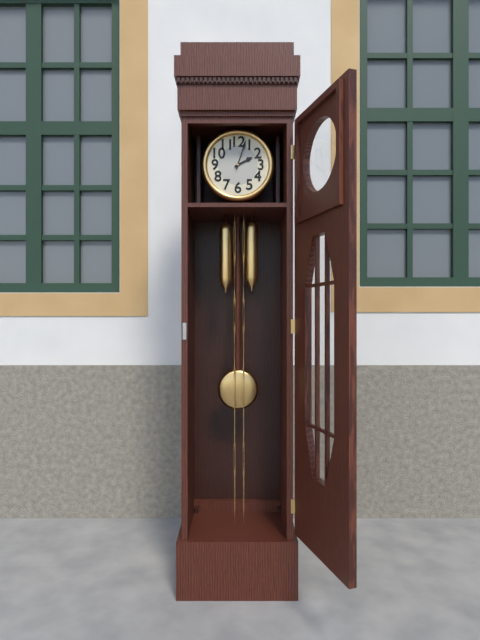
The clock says 2 h 03 min
